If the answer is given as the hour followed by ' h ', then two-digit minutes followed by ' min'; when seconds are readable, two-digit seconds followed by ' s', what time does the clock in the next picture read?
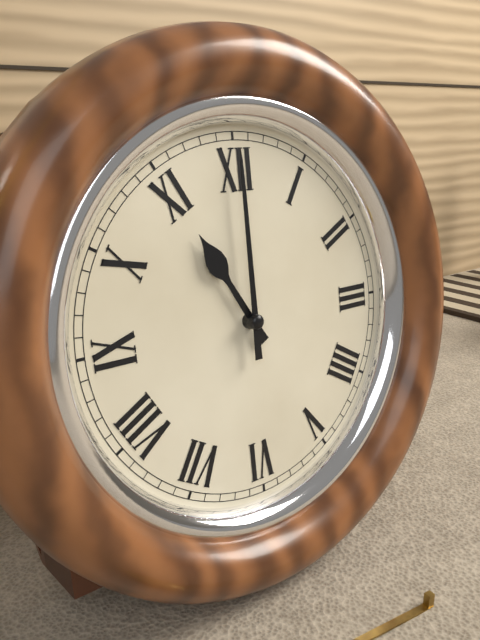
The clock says 11 h 00 min
